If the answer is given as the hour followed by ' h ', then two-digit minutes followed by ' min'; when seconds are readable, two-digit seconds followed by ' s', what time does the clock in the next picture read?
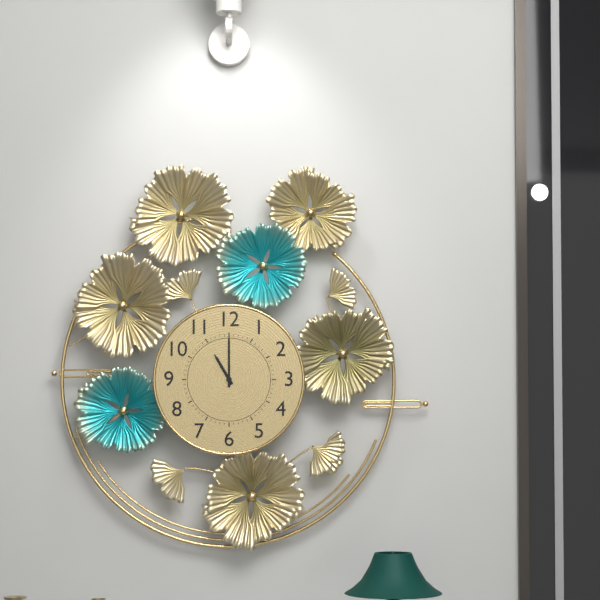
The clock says 11 h 00 min
